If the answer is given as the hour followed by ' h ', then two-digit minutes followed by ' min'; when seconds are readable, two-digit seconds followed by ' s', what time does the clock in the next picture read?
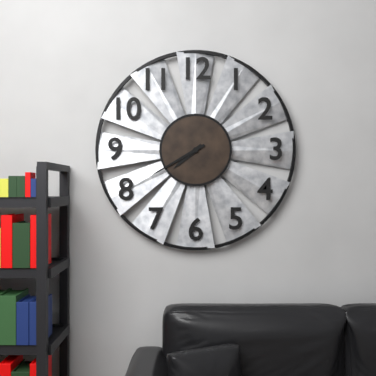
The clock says 7 h 40 min
